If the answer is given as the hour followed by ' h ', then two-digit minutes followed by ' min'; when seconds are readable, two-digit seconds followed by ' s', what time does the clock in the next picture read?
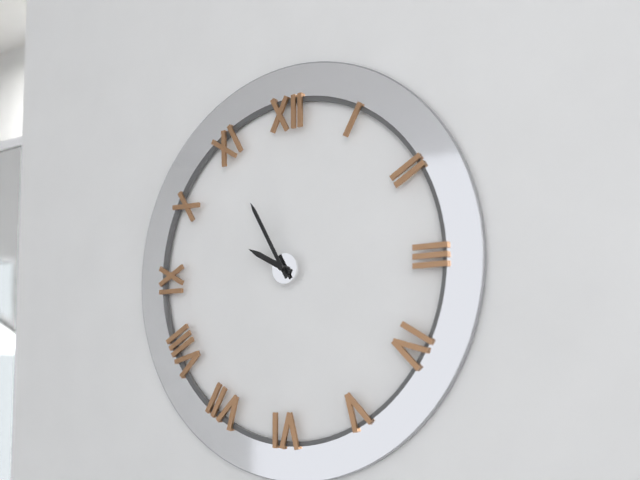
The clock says 9 h 55 min
